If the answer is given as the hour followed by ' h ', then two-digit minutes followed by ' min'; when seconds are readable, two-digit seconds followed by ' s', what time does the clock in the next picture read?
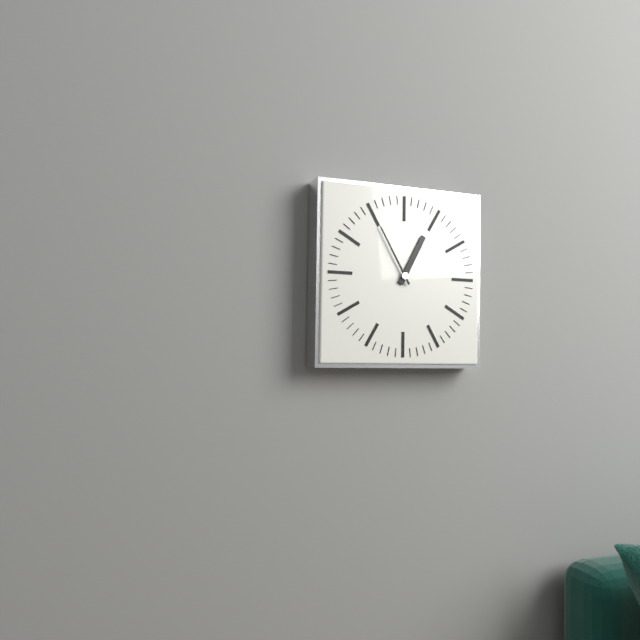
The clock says 12 h 55 min
